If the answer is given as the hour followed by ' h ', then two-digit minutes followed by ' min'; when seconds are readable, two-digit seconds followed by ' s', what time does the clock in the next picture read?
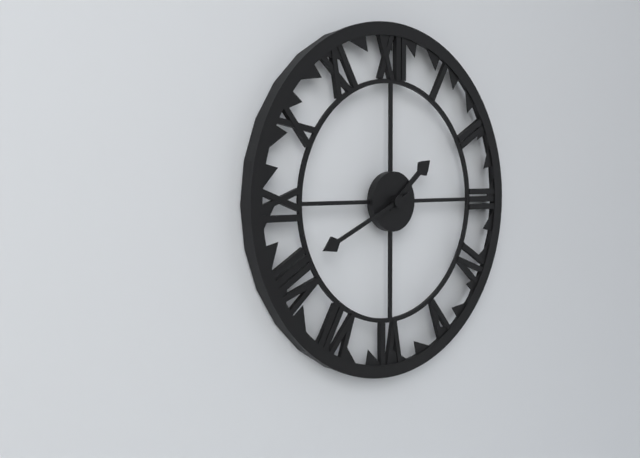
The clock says 1 h 41 min
